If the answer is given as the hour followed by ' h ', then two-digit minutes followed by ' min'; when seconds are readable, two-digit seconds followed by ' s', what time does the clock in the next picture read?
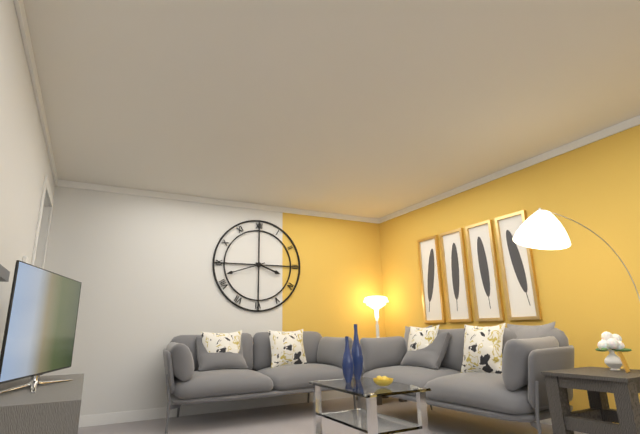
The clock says 3 h 42 min
